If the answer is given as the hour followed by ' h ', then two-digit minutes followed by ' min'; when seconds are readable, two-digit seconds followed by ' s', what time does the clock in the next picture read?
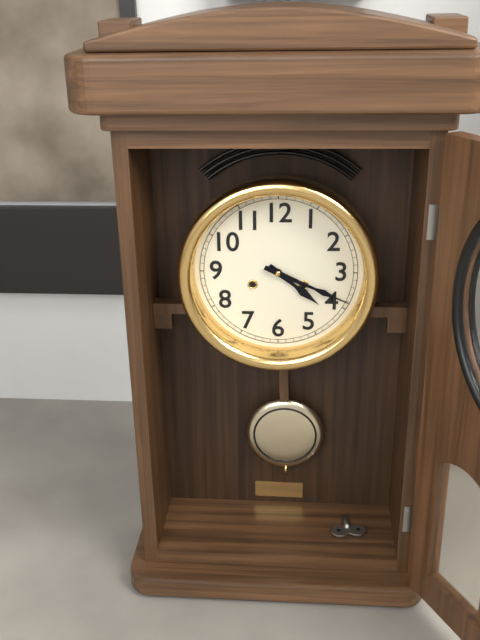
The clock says 4 h 19 min
